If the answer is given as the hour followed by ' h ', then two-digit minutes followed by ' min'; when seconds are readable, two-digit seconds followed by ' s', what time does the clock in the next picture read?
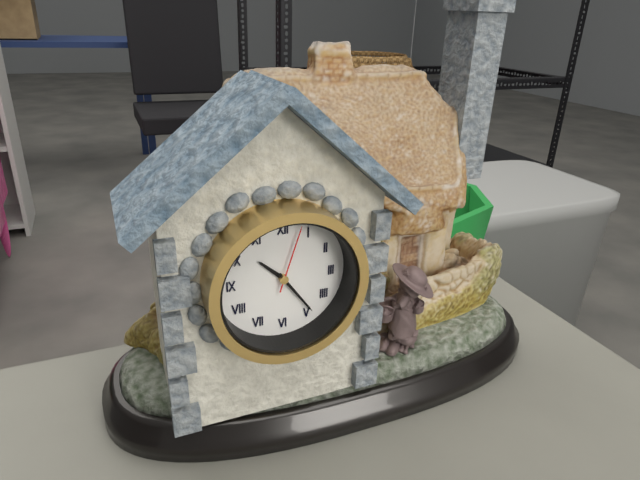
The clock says 10 h 24 min 03 s
